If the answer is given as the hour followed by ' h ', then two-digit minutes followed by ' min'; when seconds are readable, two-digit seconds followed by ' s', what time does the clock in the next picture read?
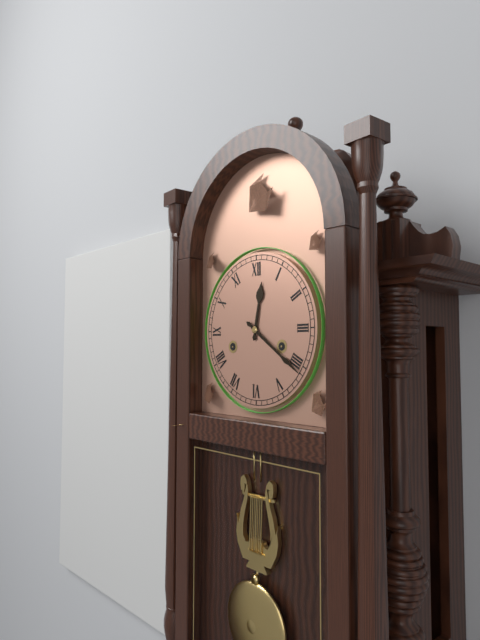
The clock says 12 h 21 min
